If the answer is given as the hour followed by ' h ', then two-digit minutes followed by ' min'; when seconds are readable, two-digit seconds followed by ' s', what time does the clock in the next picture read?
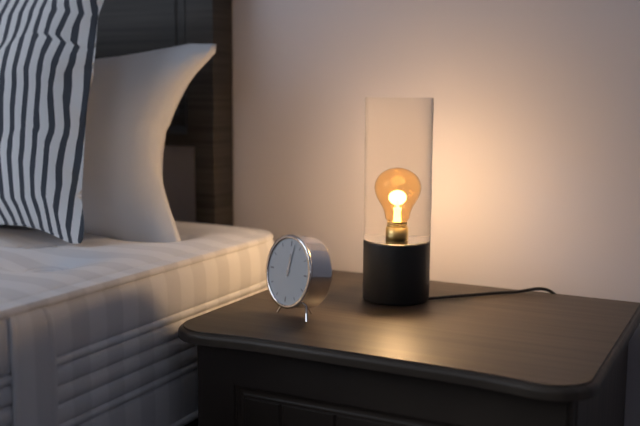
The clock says 12 h 02 min
